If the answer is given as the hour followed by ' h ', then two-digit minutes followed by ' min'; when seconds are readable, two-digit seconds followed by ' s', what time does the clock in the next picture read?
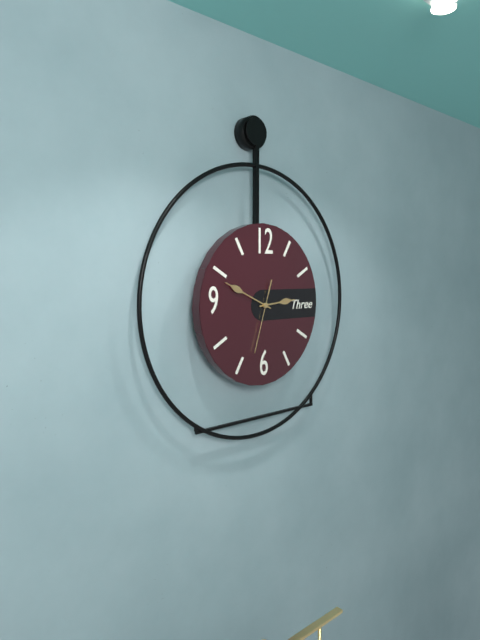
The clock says 2 h 49 min 33 s
